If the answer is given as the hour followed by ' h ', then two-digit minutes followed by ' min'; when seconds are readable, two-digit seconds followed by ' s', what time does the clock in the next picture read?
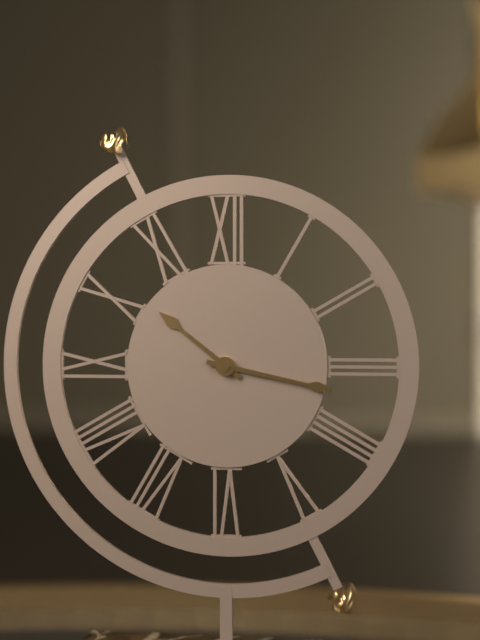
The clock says 10 h 17 min
